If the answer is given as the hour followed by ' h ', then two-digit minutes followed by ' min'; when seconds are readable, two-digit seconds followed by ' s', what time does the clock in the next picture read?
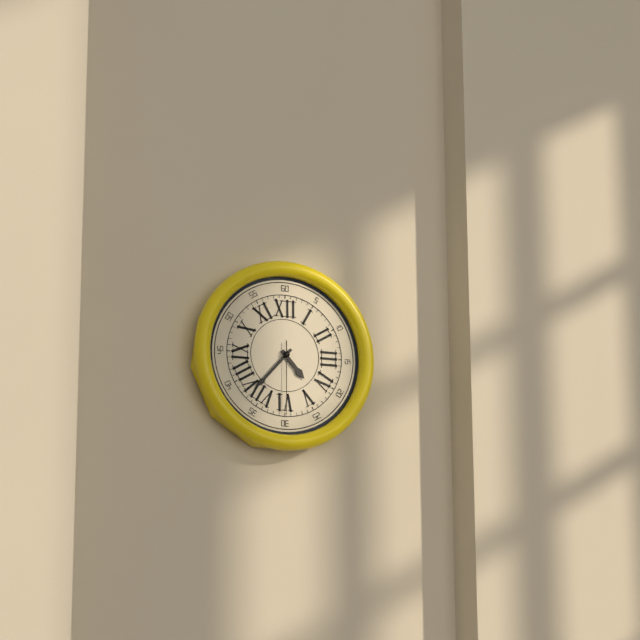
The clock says 4 h 37 min 30 s
